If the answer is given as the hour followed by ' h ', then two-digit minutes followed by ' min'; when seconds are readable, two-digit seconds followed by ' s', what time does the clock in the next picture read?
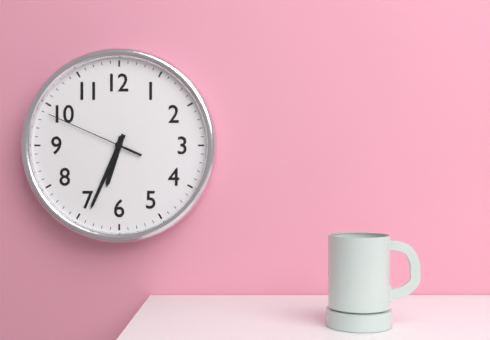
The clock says 6 h 34 min 49 s
